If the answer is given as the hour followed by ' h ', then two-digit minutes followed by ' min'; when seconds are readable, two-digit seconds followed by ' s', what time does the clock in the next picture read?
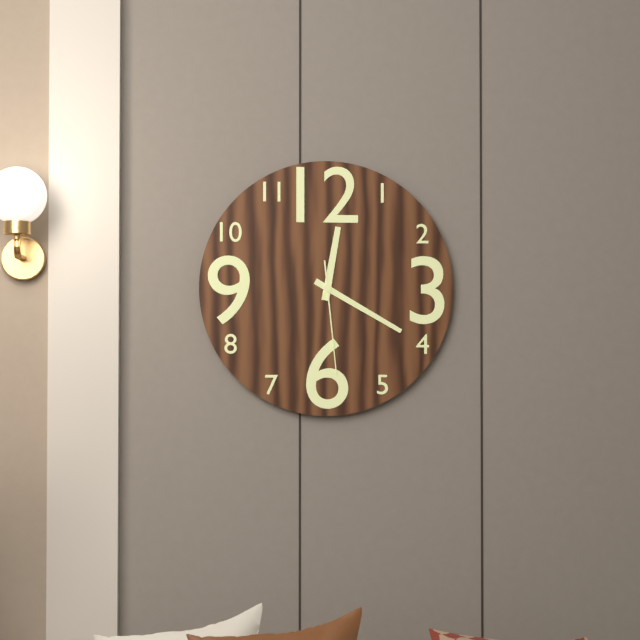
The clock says 12 h 20 min 29 s
